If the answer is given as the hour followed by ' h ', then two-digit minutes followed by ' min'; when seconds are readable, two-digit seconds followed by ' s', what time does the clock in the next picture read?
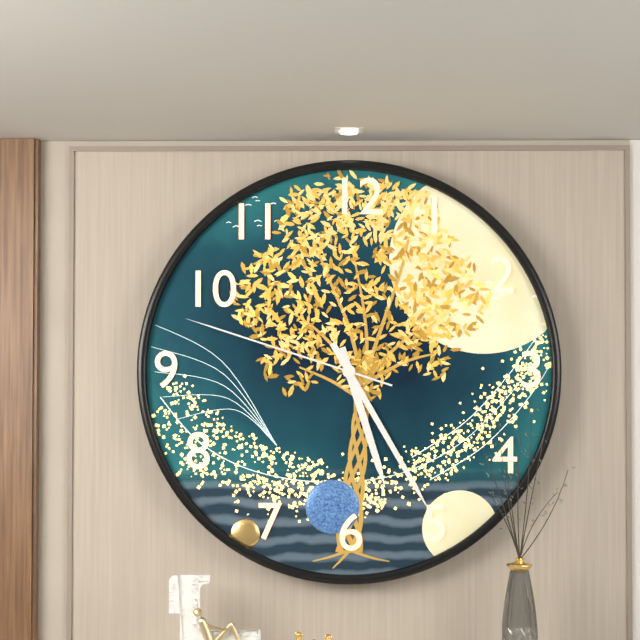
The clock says 5 h 25 min 48 s
